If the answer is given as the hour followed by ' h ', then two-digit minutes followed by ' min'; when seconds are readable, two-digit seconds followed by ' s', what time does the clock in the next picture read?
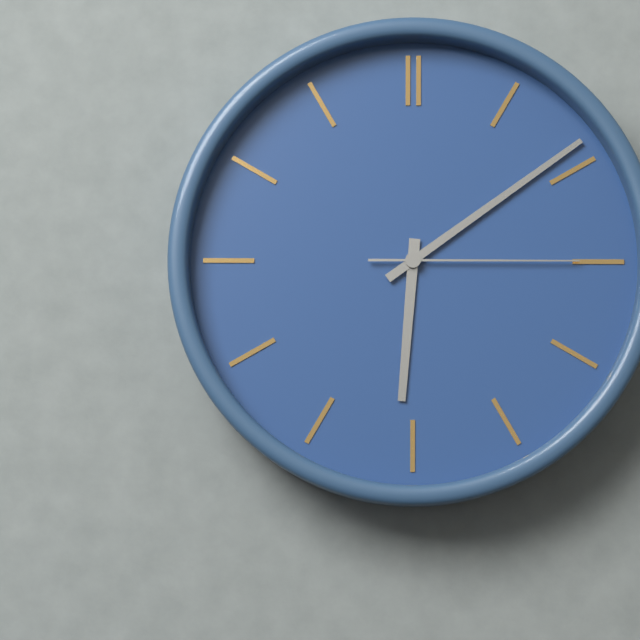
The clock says 6 h 09 min 15 s
